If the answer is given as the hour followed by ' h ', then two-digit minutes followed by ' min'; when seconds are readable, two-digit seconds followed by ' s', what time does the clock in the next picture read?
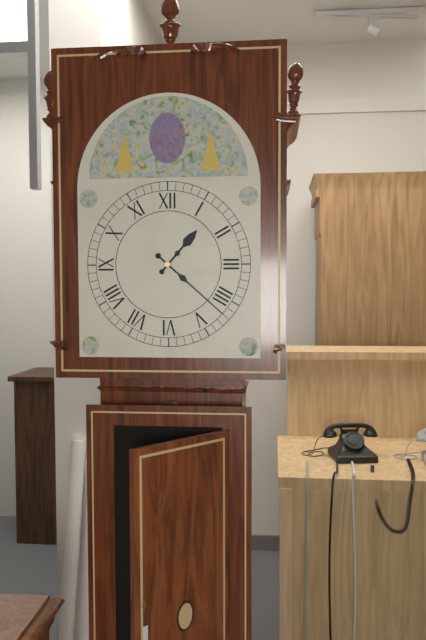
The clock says 1 h 22 min
